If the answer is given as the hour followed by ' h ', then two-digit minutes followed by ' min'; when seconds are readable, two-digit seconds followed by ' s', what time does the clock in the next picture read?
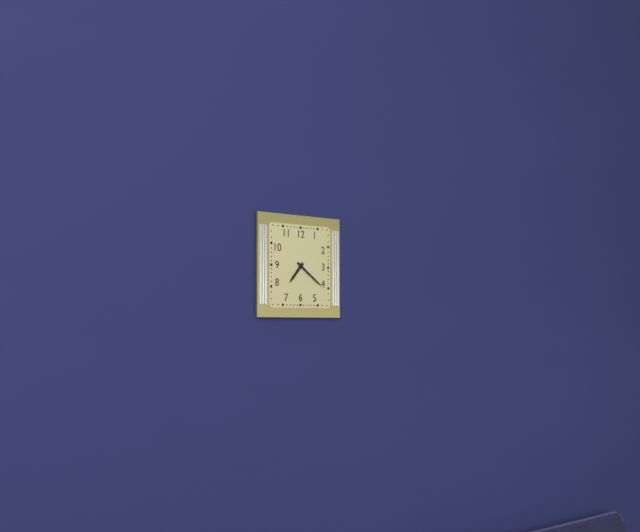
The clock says 7 h 21 min
